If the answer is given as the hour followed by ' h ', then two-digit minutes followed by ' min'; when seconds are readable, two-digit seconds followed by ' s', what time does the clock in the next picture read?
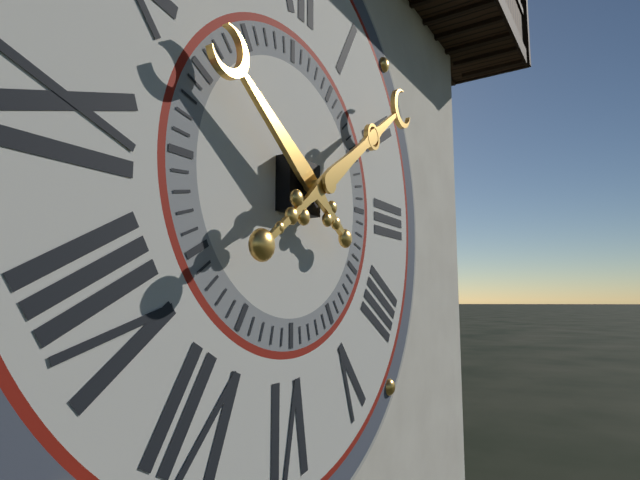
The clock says 10 h 09 min
